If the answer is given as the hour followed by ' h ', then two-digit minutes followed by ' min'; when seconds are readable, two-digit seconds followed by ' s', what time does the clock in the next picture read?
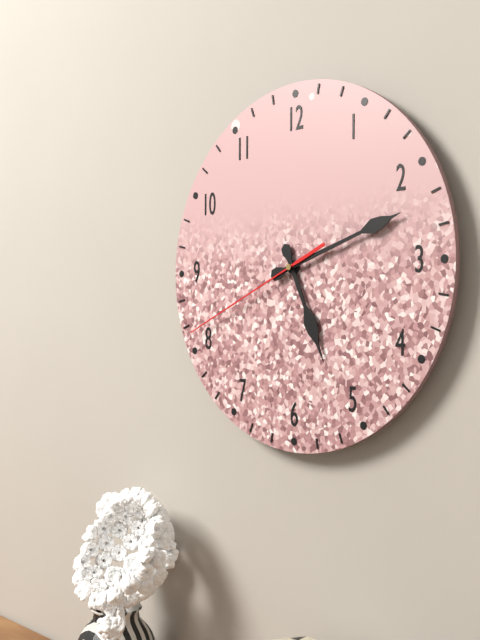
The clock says 5 h 12 min 41 s
